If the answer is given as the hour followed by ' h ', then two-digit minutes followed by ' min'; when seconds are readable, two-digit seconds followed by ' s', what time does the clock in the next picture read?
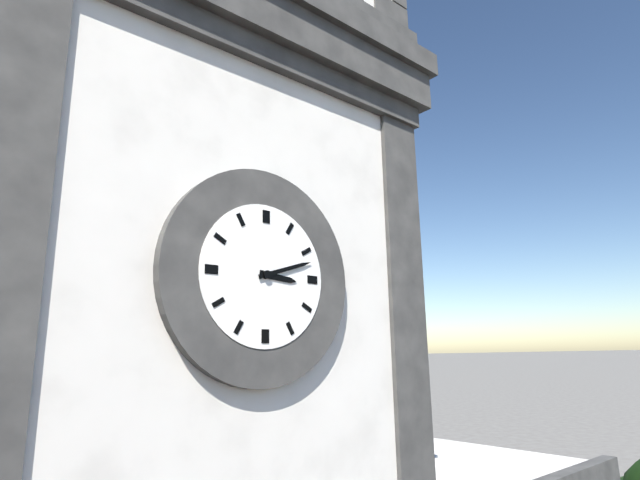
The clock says 3 h 12 min
